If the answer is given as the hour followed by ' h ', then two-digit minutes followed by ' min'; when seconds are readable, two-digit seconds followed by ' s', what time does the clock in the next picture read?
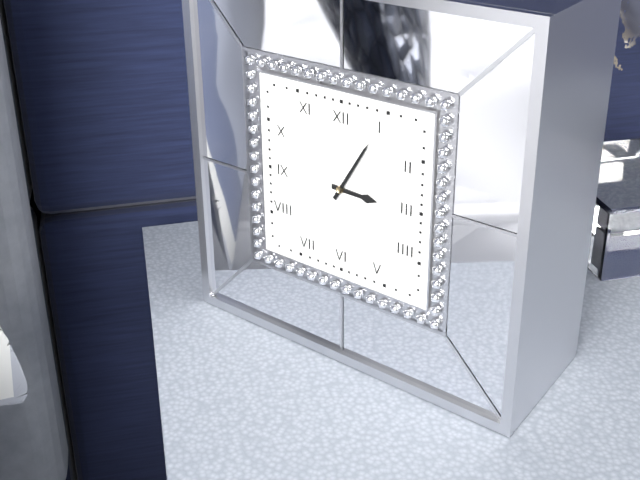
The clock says 3 h 05 min
